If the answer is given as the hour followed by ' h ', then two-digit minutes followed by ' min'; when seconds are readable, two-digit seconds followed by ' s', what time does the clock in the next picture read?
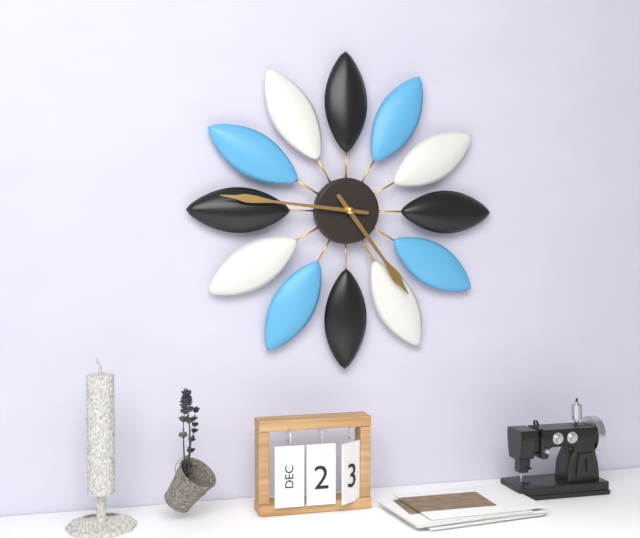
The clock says 4 h 46 min
